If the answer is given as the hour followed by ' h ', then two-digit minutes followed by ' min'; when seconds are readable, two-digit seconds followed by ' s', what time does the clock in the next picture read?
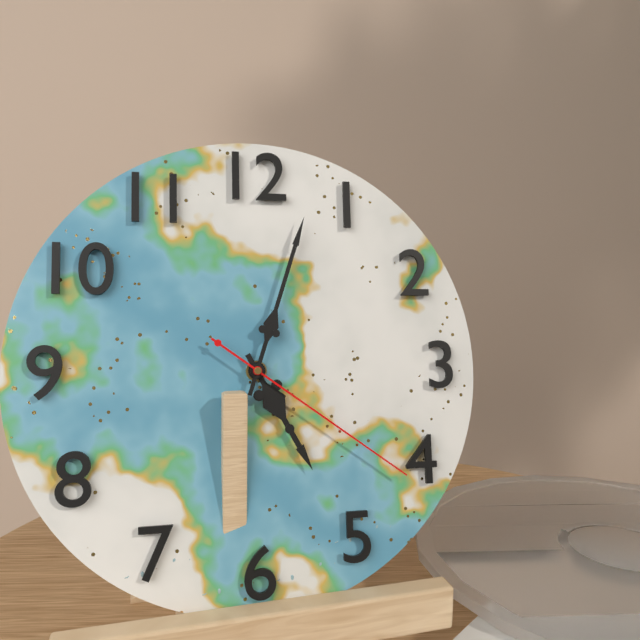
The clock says 5 h 03 min 21 s
